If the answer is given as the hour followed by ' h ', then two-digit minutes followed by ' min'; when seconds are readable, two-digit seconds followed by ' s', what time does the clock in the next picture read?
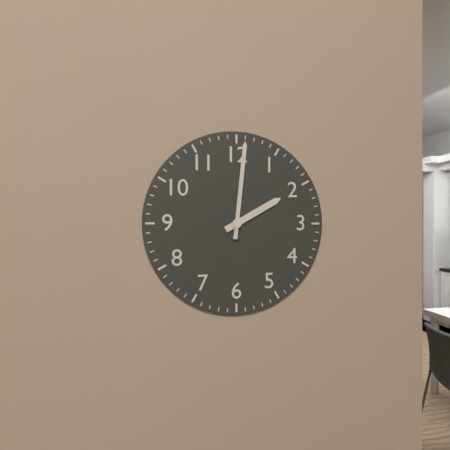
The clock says 2 h 01 min
